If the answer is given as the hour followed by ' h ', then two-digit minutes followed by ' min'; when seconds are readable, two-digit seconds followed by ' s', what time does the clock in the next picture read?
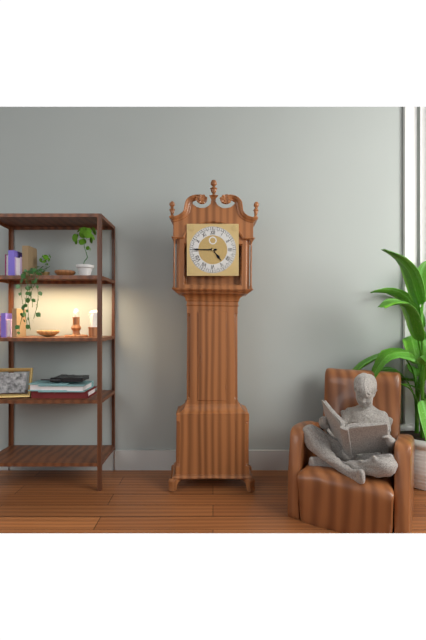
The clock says 4 h 45 min
